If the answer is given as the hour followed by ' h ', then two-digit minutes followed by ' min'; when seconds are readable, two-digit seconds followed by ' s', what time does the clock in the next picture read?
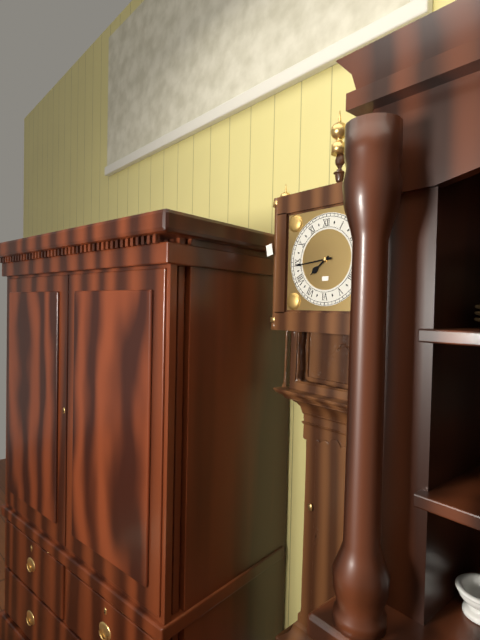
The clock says 7 h 44 min
